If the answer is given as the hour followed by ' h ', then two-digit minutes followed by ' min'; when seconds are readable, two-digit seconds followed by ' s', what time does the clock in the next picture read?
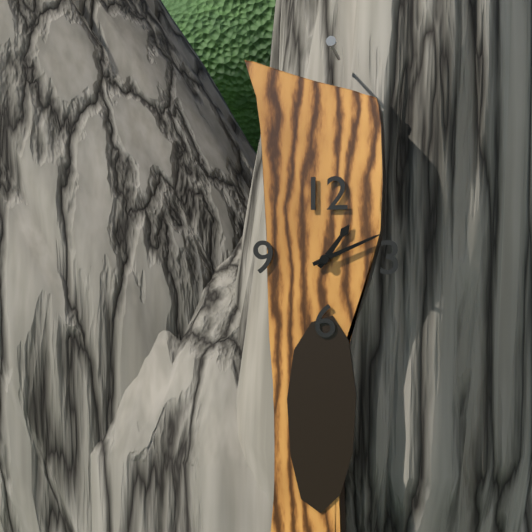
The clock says 1 h 11 min
